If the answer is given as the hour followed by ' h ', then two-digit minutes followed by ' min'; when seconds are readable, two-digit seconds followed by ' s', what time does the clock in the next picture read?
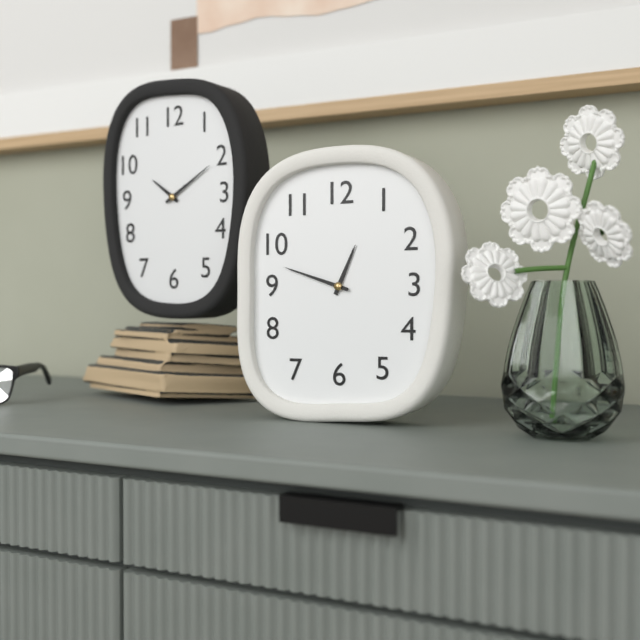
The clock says 12 h 48 min
